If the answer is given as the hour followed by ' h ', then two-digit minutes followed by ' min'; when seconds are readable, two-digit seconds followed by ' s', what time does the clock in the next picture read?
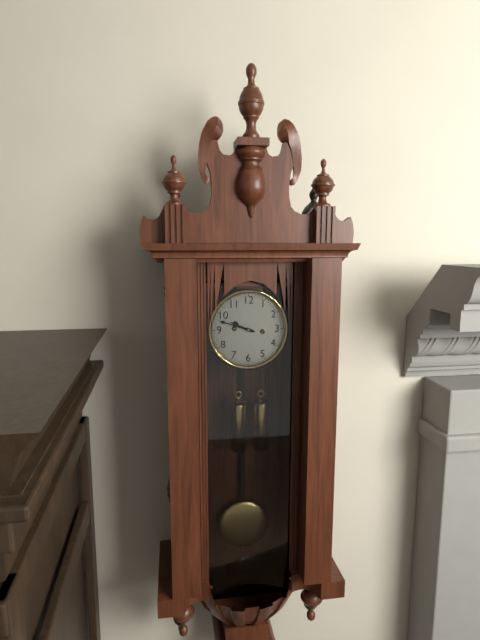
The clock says 9 h 48 min
